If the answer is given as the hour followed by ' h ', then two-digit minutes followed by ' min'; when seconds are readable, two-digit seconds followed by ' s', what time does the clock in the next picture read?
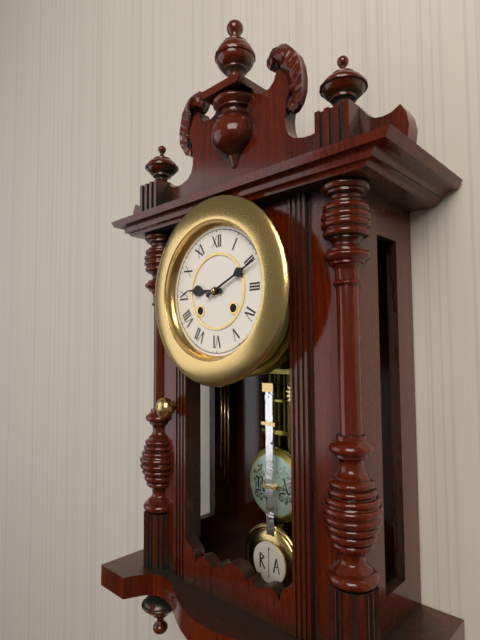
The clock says 9 h 11 min
